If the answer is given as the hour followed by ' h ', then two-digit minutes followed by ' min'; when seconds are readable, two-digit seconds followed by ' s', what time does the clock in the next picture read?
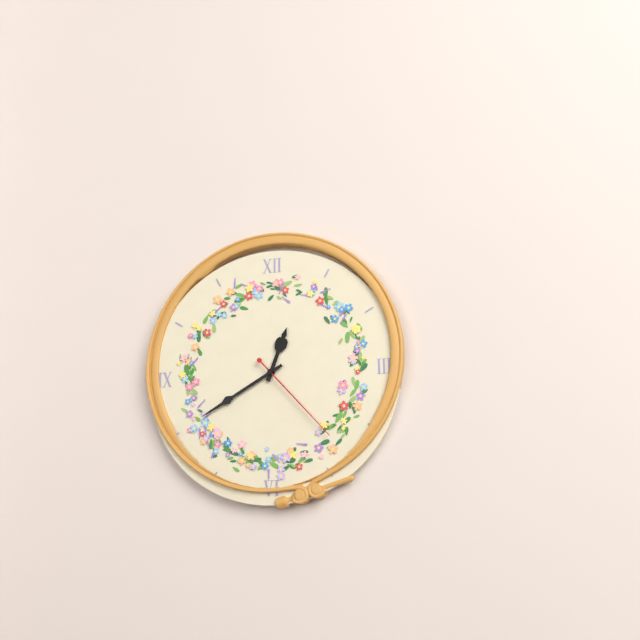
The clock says 12 h 40 min 23 s
